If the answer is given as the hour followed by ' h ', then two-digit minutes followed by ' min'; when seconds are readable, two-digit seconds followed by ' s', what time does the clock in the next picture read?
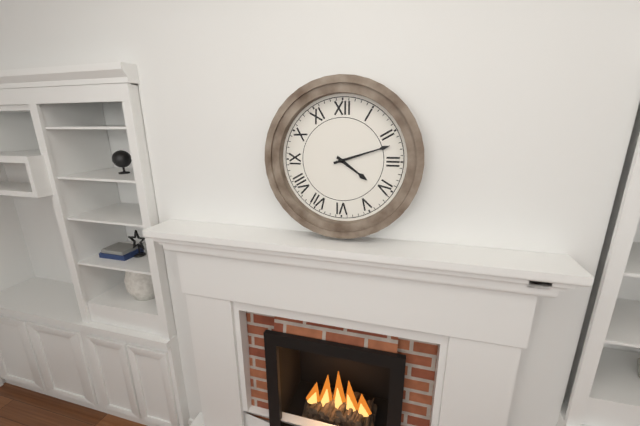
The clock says 4 h 12 min
